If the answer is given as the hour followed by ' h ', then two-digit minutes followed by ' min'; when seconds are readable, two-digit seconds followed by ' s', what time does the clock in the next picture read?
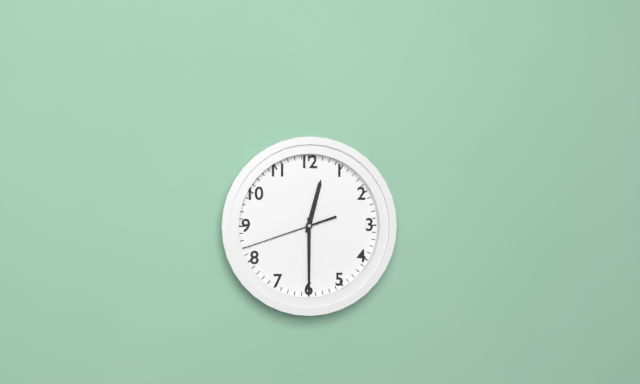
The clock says 12 h 30 min 42 s
